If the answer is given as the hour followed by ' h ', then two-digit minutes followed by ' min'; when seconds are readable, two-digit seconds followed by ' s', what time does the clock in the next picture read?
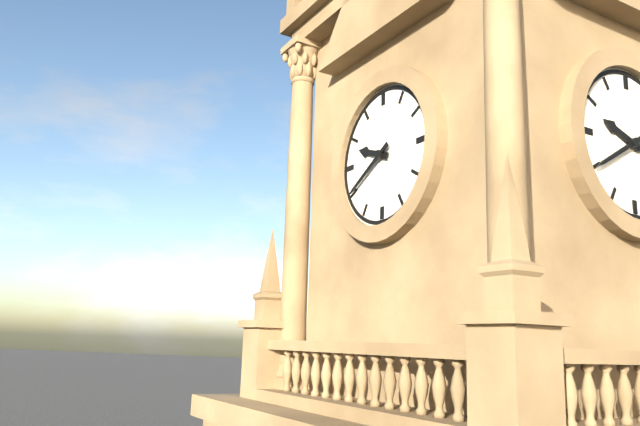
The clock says 9 h 40 min
